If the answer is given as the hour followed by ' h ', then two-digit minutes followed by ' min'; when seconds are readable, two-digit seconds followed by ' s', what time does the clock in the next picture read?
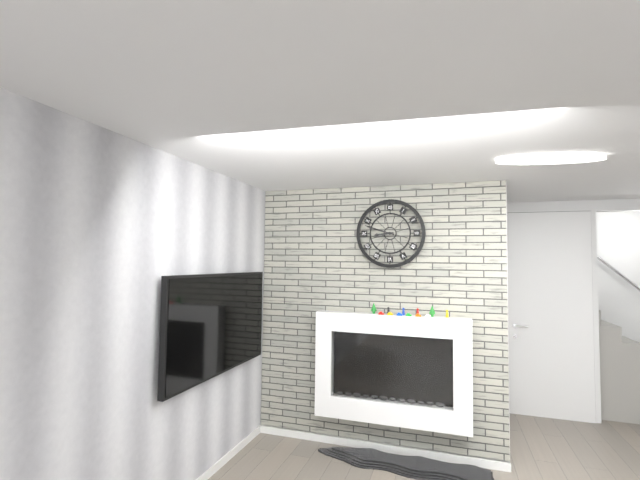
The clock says 8 h 48 min
